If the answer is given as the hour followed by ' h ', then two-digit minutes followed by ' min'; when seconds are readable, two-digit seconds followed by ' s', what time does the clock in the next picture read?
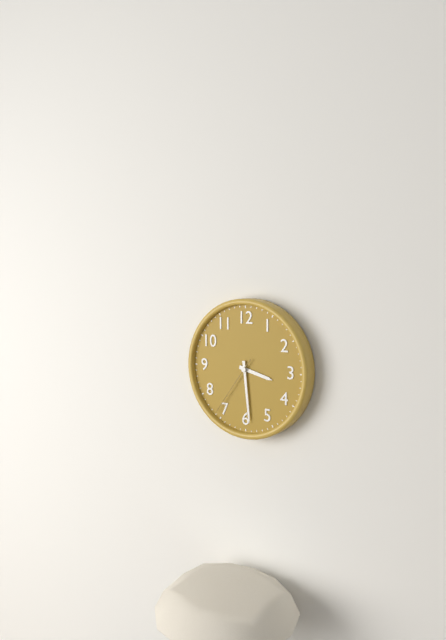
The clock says 3 h 29 min 36 s
